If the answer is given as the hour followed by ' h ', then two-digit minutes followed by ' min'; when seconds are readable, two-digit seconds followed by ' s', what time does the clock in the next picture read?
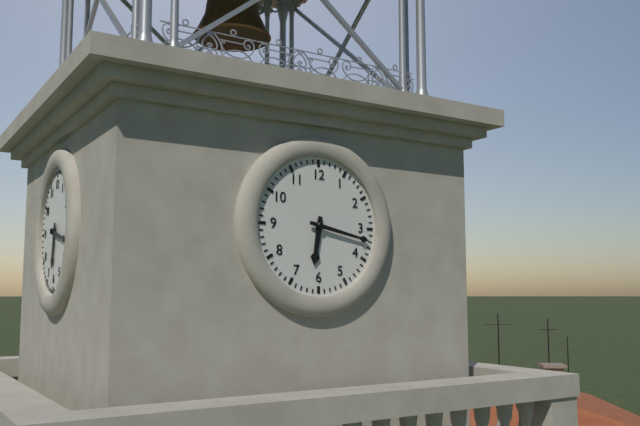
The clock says 6 h 17 min
